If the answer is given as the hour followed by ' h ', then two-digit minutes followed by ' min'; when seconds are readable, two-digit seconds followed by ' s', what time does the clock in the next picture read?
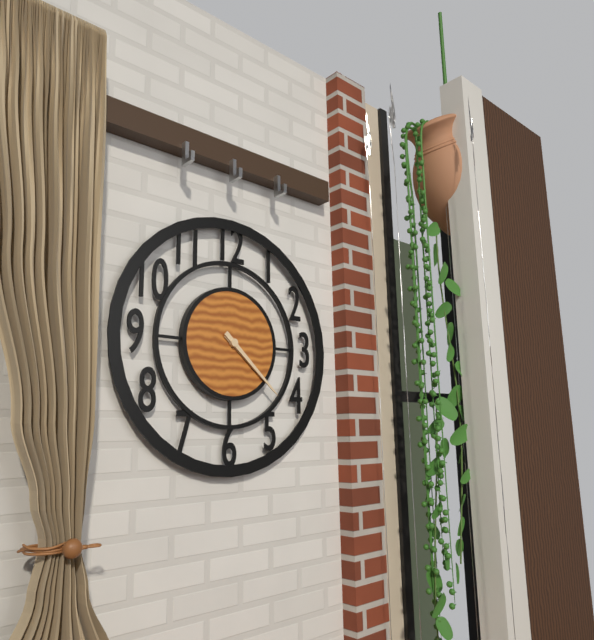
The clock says 4 h 22 min
